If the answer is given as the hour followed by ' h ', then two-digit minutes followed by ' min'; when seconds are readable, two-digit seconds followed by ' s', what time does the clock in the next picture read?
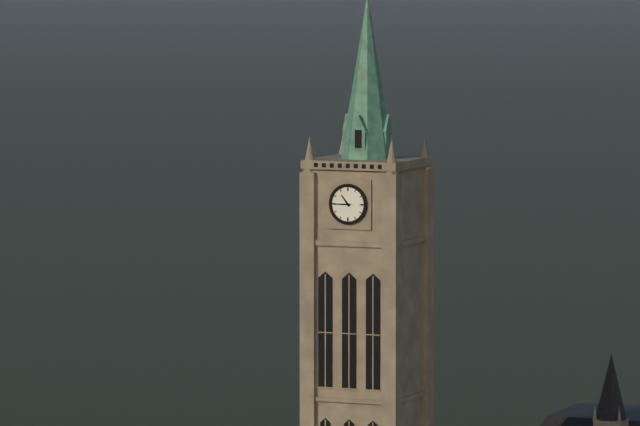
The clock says 10 h 45 min
